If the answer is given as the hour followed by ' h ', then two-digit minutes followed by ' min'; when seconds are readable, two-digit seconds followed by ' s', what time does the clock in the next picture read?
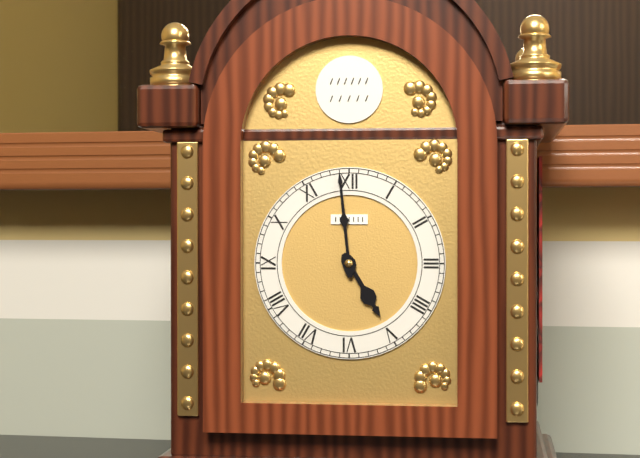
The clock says 4 h 59 min
